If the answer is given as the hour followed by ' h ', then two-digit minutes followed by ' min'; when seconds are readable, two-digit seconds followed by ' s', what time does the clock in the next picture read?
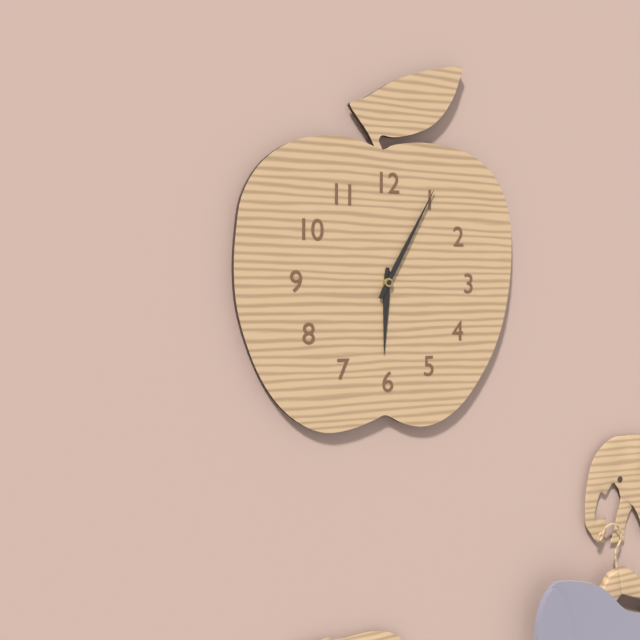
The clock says 6 h 05 min
